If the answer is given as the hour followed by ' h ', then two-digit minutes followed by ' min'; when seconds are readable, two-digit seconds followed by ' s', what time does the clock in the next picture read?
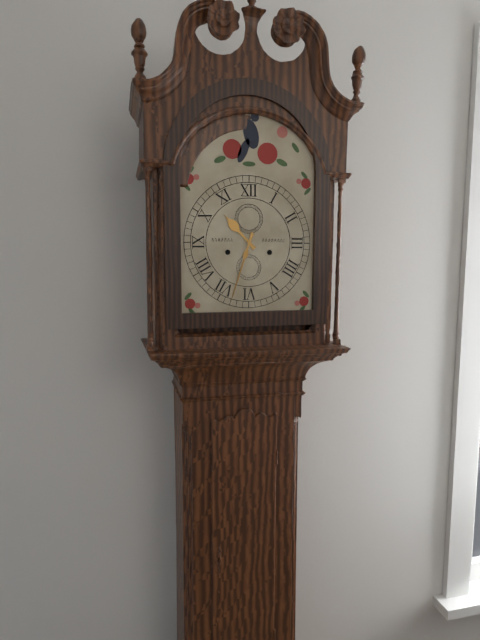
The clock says 10 h 33 min
